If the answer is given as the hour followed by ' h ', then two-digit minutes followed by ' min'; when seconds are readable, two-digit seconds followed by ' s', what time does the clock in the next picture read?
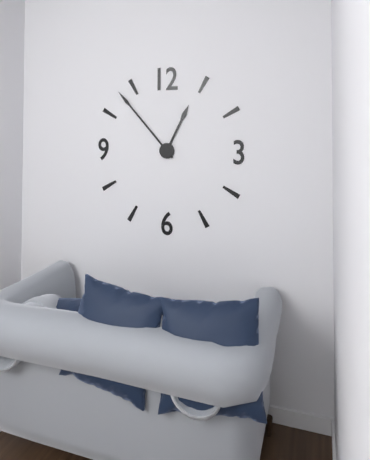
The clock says 12 h 53 min
